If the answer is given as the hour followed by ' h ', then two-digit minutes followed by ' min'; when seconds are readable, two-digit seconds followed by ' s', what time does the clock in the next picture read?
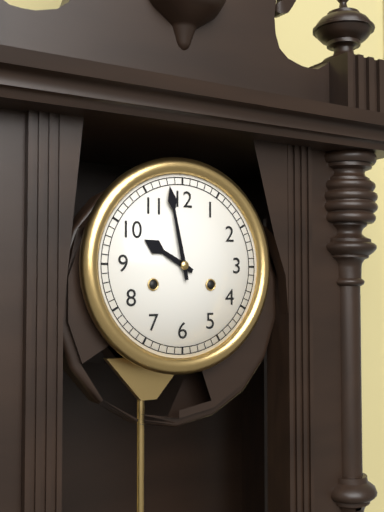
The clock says 9 h 58 min
